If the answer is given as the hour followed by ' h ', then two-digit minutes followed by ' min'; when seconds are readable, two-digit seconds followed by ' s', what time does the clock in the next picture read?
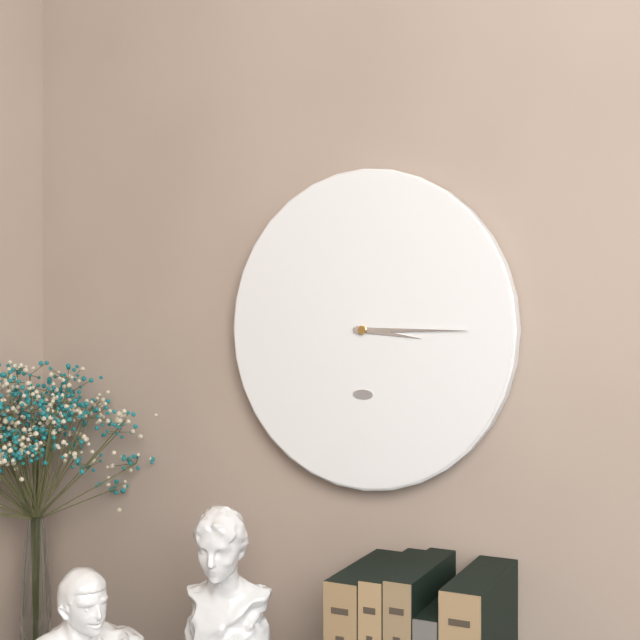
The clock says 3 h 15 min
